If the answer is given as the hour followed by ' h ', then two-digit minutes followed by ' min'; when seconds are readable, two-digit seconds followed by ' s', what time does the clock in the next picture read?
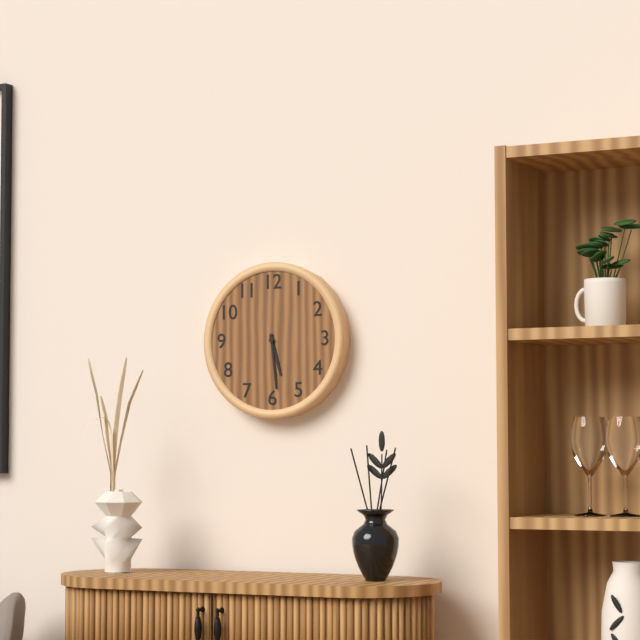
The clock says 5 h 29 min
